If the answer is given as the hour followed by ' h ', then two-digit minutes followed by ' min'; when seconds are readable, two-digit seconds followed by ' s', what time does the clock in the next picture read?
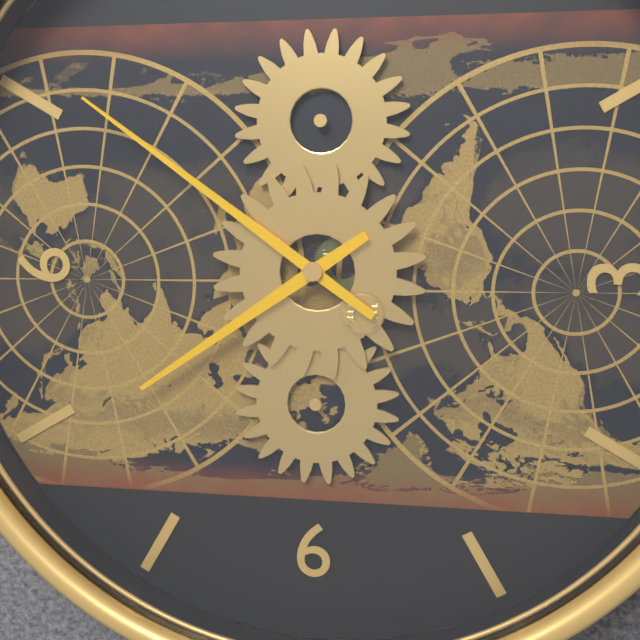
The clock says 7 h 51 min
